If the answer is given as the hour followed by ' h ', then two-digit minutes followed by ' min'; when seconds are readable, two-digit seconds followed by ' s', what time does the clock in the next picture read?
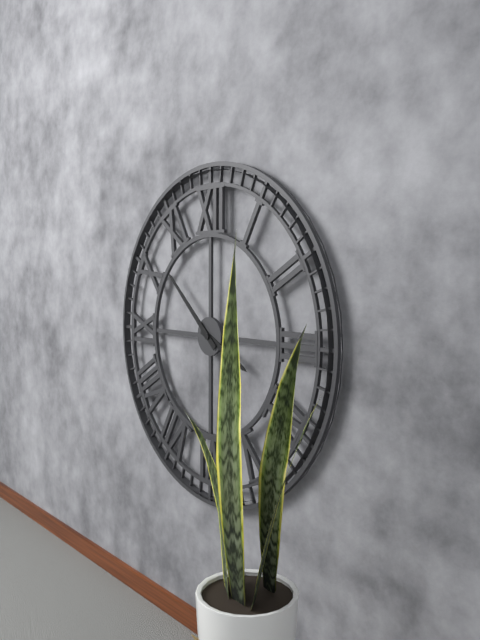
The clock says 3 h 52 min
